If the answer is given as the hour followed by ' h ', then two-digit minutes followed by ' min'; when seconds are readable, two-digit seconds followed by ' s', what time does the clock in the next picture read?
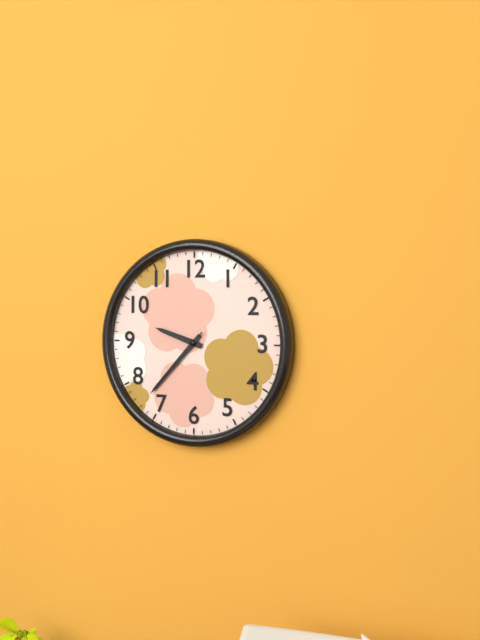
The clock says 9 h 37 min 37 s
